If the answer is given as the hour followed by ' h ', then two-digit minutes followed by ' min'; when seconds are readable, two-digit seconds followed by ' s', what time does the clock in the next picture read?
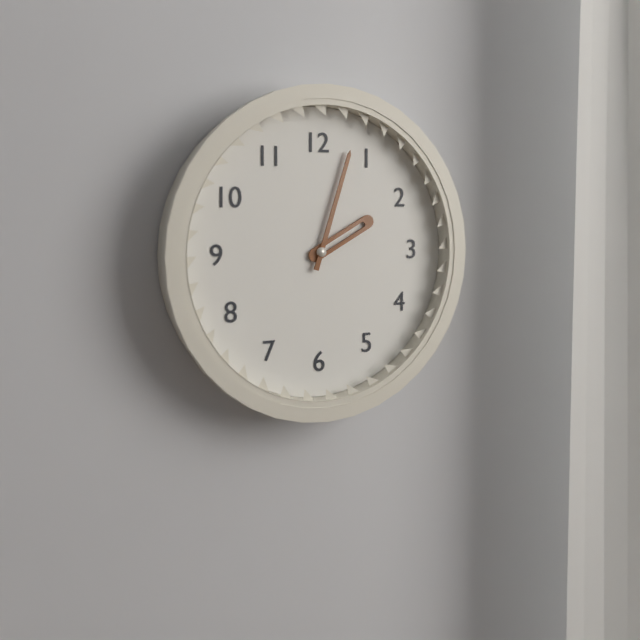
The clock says 2 h 03 min
